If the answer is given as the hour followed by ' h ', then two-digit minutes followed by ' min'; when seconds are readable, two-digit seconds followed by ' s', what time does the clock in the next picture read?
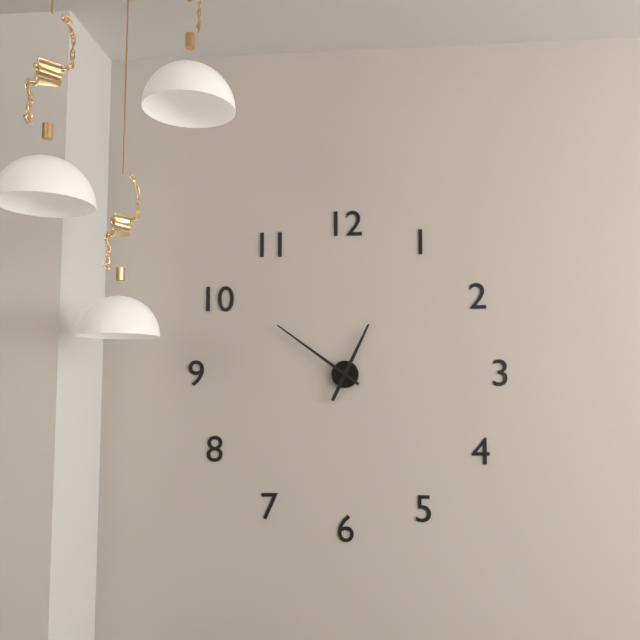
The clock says 12 h 51 min
